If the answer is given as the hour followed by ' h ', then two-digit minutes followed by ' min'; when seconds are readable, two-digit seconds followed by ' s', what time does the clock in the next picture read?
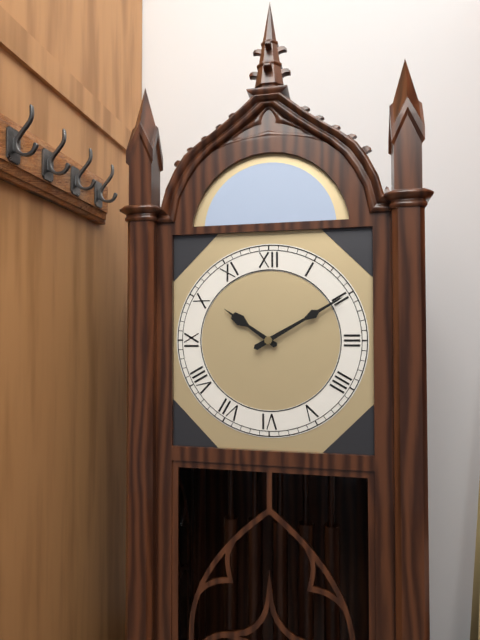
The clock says 10 h 10 min
